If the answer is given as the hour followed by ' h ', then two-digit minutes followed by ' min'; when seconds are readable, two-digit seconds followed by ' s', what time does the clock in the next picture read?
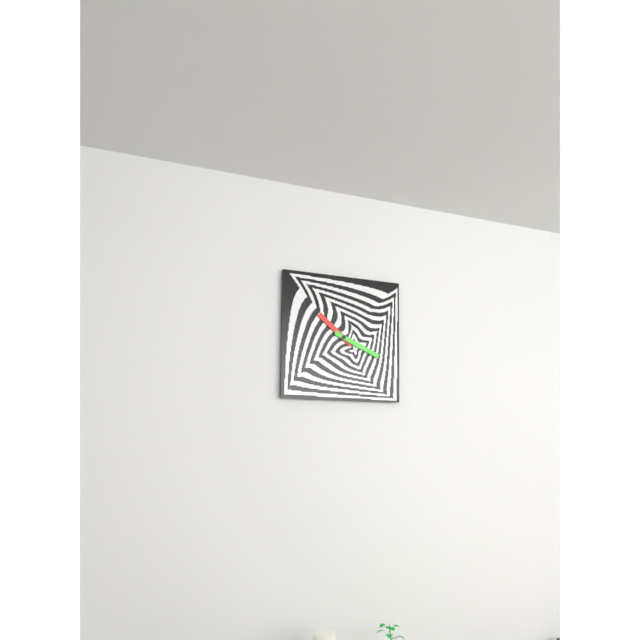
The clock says 10 h 19 min
